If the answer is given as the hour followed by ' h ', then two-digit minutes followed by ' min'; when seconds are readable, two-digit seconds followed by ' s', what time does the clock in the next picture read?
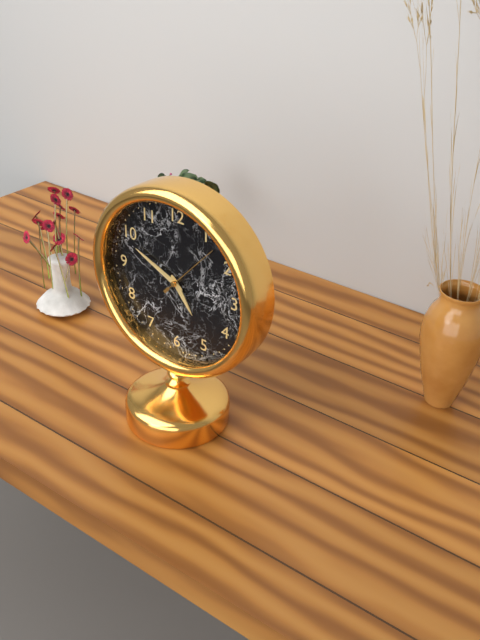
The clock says 4 h 49 min 07 s
